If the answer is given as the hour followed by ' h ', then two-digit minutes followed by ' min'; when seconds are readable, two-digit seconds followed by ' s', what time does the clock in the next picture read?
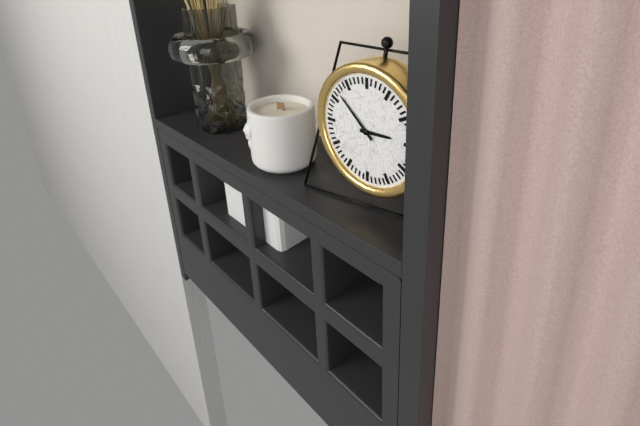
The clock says 2 h 52 min
